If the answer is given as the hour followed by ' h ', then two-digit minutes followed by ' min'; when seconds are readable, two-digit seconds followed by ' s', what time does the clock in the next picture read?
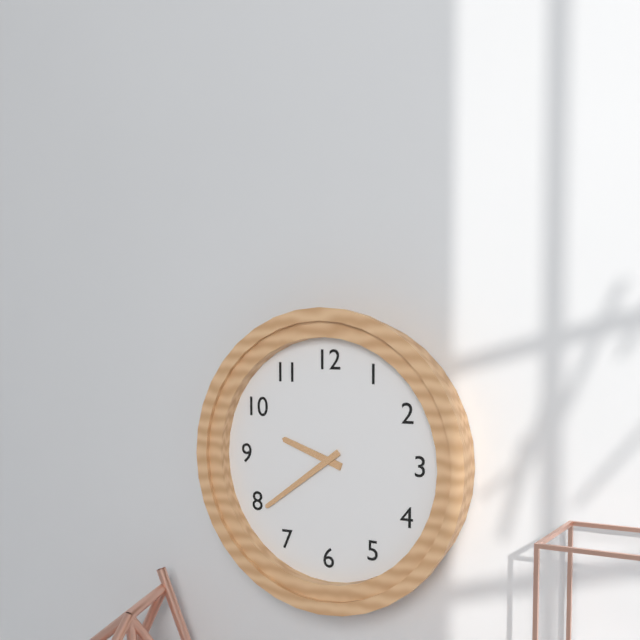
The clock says 9 h 39 min
